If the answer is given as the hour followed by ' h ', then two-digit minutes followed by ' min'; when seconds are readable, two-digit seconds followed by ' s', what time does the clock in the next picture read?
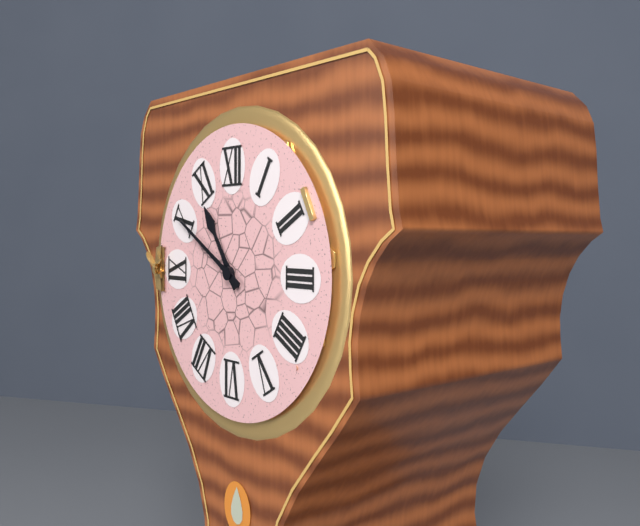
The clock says 10 h 50 min
